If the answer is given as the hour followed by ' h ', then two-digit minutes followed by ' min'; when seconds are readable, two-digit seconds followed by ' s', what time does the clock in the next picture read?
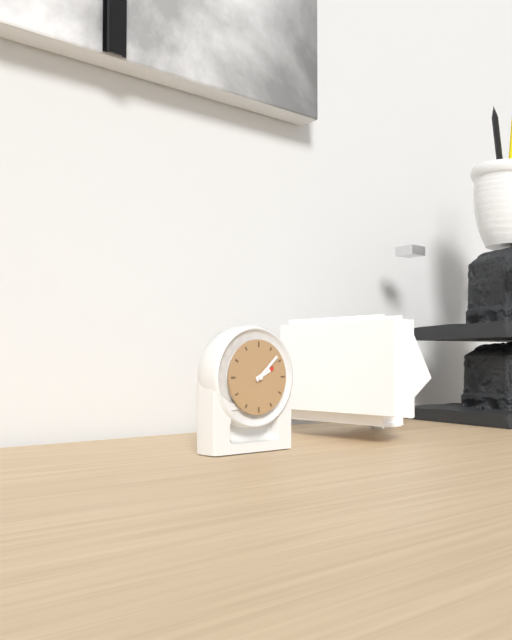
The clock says 2 h 08 min
